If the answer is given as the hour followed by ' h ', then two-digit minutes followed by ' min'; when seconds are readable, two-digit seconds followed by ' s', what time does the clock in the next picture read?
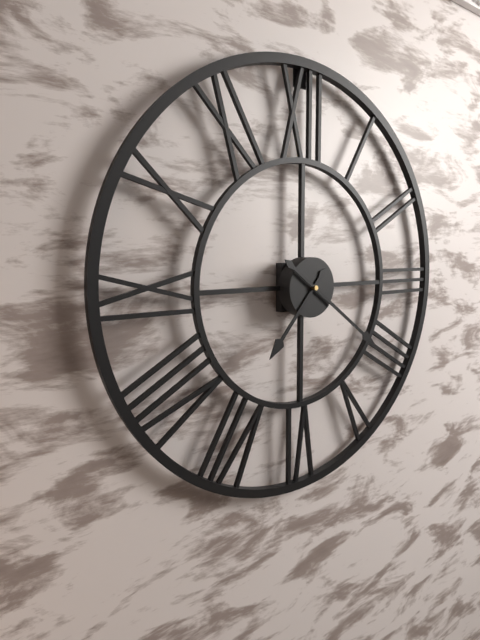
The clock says 7 h 21 min
